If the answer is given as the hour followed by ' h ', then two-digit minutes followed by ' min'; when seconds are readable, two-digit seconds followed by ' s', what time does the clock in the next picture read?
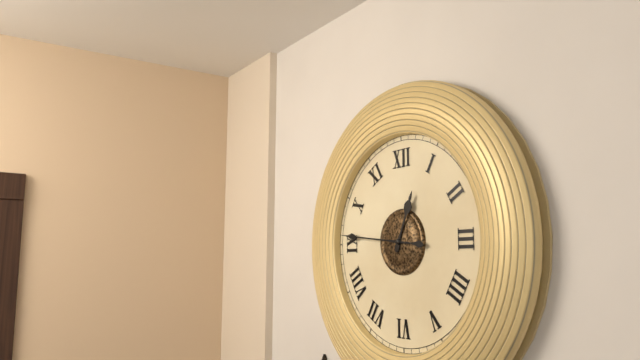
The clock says 12 h 46 min
